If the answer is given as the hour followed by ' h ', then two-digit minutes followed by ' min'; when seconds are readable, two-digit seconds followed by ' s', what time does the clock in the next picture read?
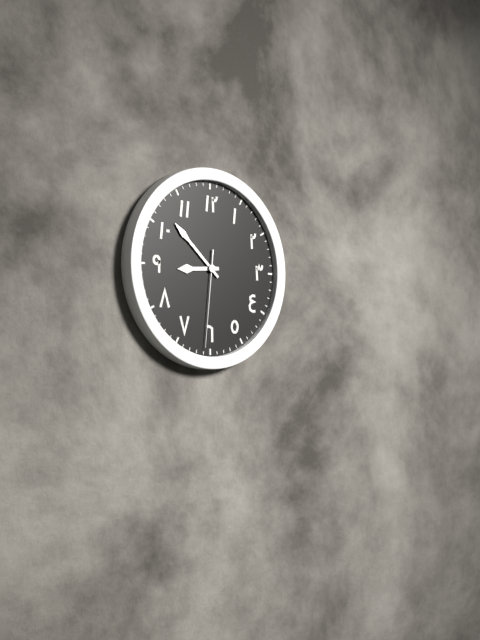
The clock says 8 h 52 min 31 s
